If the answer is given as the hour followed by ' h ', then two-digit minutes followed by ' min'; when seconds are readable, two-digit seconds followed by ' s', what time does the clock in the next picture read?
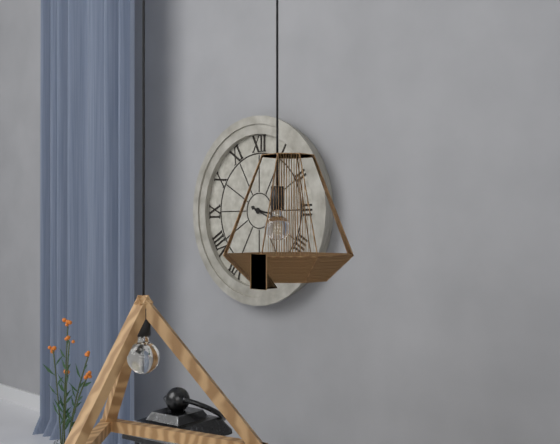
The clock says 3 h 19 min
